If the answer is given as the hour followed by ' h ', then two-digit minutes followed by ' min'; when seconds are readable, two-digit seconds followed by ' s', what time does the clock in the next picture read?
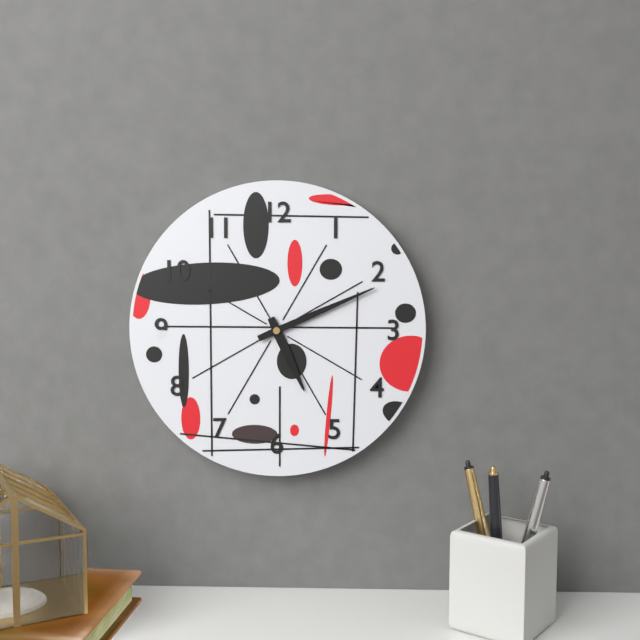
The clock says 5 h 11 min
